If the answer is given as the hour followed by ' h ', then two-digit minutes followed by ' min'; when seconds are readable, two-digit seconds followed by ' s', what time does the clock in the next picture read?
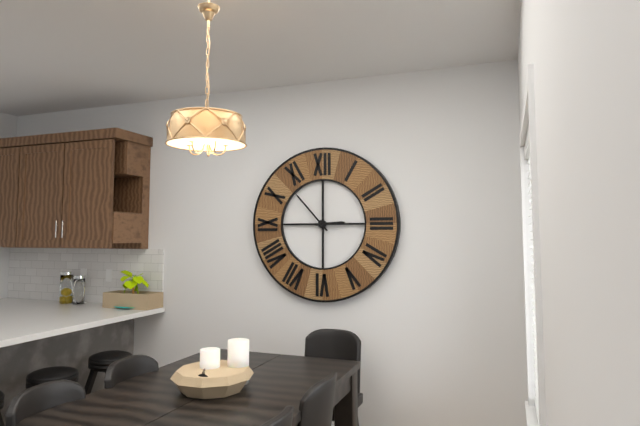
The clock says 2 h 53 min
